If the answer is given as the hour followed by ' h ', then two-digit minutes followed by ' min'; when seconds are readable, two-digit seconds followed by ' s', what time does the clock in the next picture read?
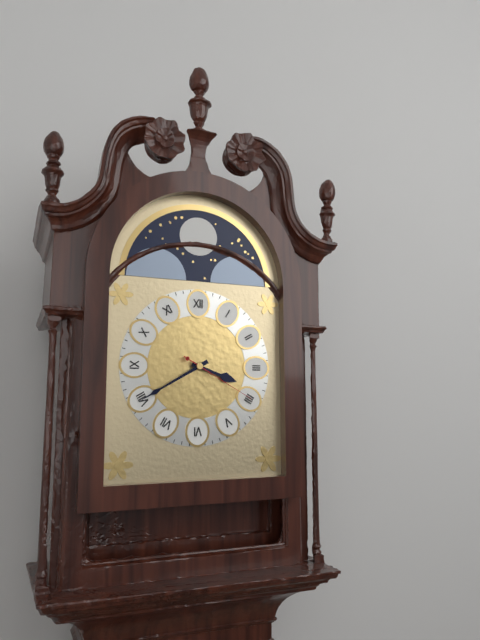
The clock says 3 h 40 min 20 s
